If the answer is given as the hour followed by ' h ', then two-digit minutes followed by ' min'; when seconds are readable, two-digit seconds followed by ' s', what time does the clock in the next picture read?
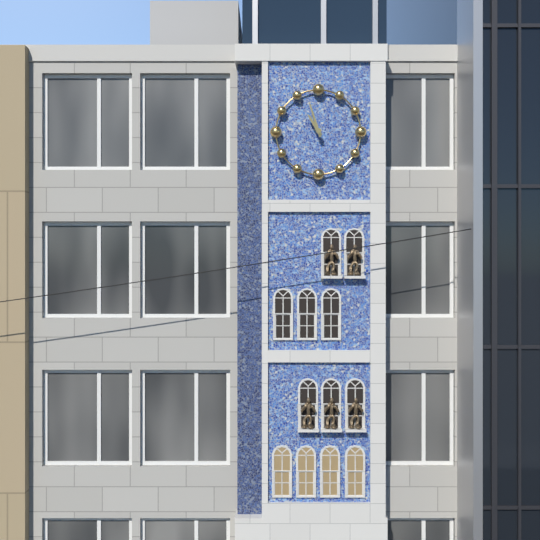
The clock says 10 h 57 min
